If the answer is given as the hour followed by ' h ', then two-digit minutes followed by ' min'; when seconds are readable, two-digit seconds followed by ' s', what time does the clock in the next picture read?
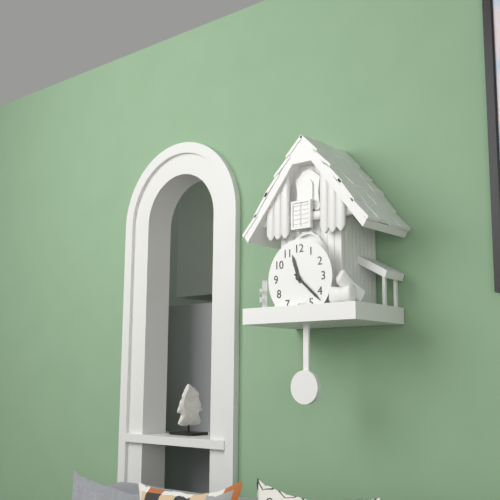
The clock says 11 h 22 min
